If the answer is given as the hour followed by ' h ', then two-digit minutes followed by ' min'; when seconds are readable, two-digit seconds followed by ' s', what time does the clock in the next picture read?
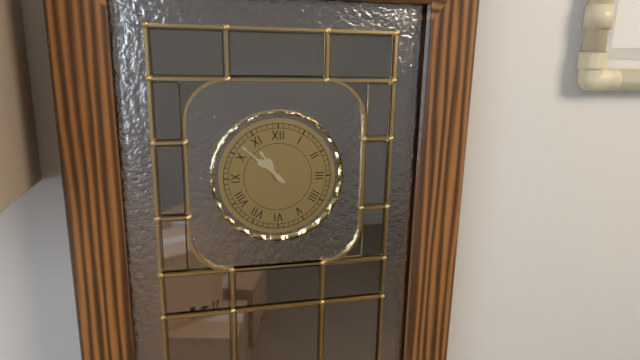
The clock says 10 h 52 min
